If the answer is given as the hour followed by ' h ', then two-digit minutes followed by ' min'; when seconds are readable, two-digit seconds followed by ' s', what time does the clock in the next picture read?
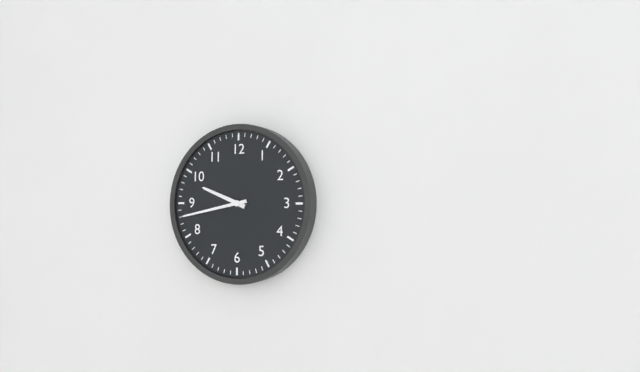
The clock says 9 h 43 min
